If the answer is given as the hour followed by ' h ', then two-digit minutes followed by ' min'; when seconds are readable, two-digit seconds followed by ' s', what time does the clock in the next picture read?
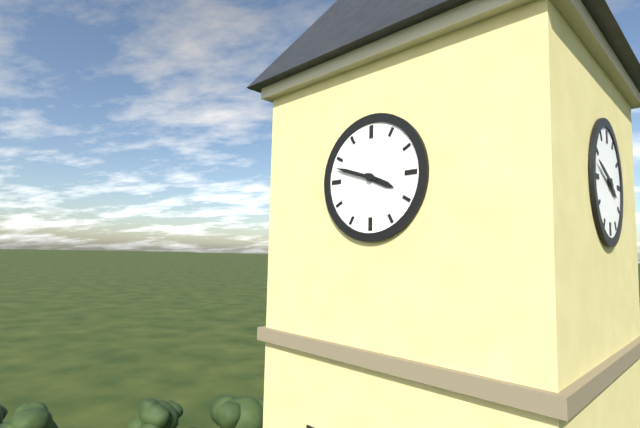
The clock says 3 h 48 min
